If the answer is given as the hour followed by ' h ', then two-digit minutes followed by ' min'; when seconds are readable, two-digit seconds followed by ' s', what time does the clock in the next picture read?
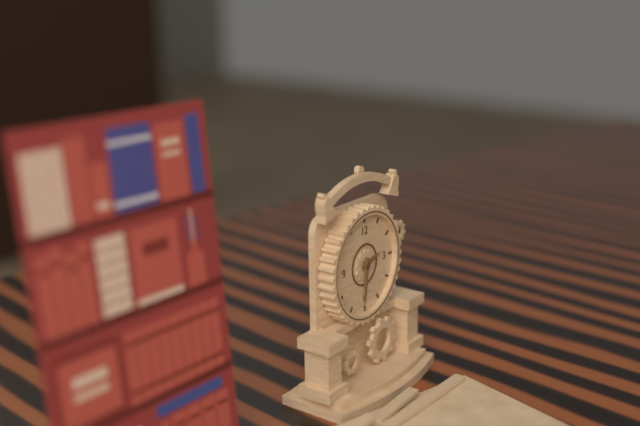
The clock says 2 h 31 min
